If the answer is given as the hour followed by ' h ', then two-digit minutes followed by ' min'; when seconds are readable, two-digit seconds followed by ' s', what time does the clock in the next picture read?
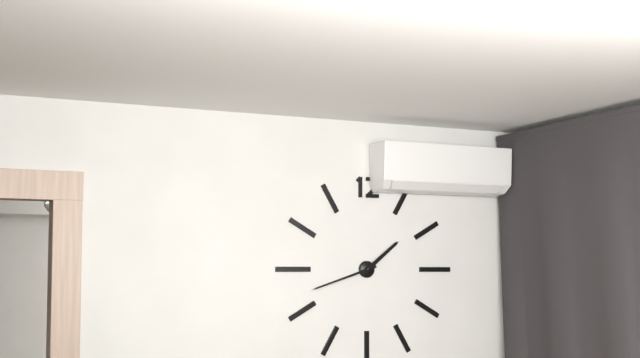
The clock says 1 h 42 min
